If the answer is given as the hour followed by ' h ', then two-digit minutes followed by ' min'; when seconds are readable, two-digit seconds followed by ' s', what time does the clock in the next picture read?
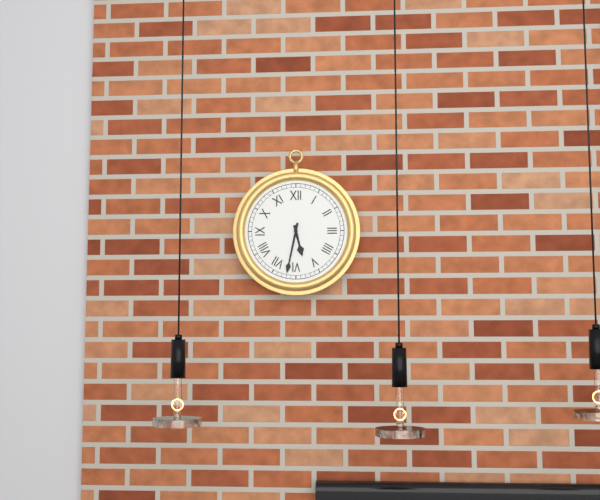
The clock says 5 h 32 min
